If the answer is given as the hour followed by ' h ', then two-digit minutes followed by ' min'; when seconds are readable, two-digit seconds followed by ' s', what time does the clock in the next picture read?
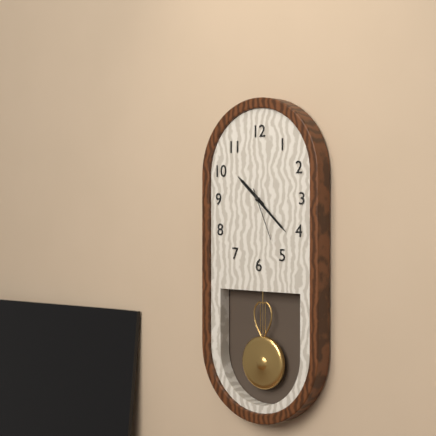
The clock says 10 h 22 min 26 s
